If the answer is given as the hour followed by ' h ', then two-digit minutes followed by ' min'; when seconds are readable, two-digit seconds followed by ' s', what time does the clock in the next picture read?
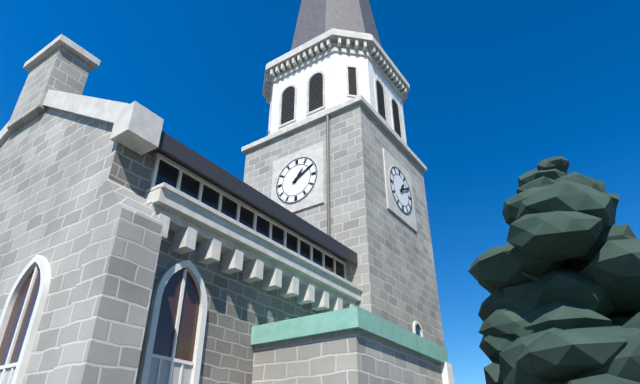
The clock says 1 h 10 min
